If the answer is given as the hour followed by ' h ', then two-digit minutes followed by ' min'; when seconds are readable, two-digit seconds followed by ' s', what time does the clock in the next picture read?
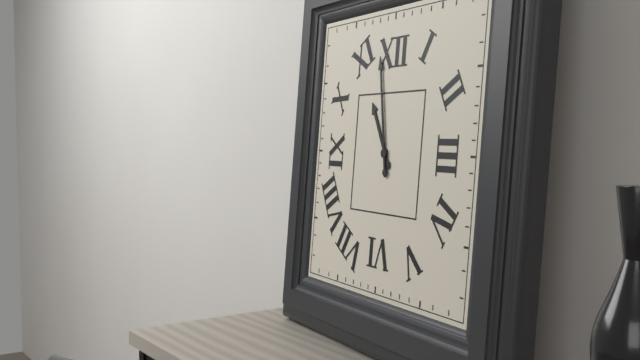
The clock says 10 h 58 min
